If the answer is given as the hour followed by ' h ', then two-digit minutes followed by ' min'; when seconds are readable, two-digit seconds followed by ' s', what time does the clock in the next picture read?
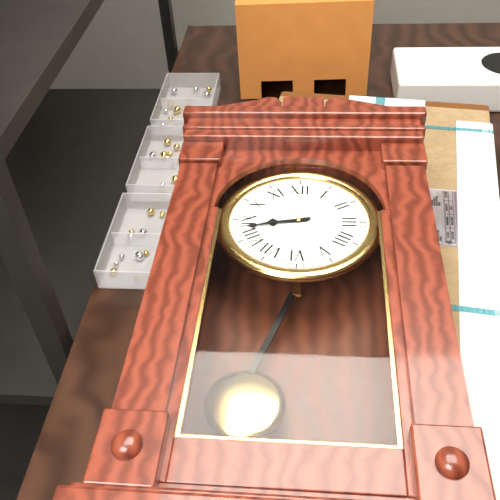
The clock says 8 h 43 min
